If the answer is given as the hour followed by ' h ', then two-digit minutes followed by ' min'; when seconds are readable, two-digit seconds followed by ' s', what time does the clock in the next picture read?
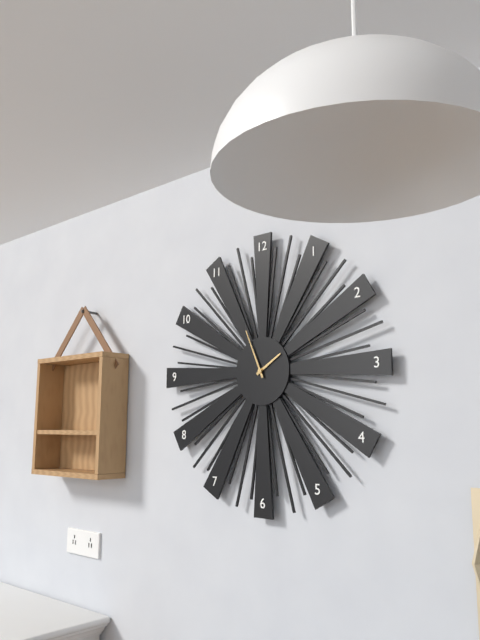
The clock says 1 h 56 min
